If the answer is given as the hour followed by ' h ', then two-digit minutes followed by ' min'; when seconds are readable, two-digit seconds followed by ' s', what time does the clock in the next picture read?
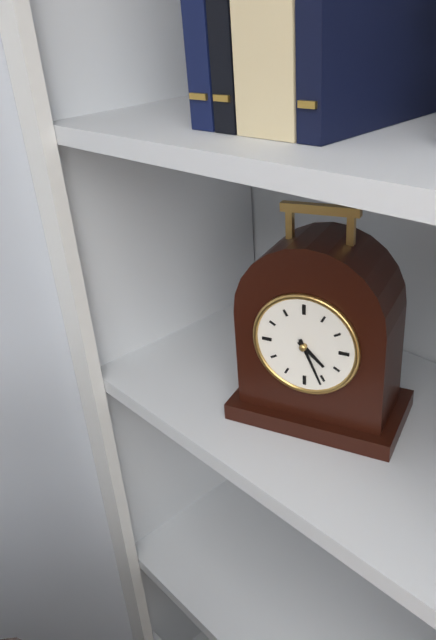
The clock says 4 h 26 min
